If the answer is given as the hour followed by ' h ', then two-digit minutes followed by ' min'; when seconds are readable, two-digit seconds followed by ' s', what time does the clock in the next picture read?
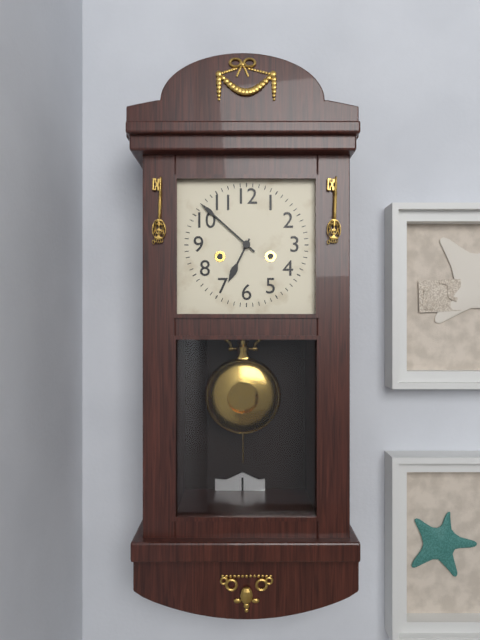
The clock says 6 h 52 min
